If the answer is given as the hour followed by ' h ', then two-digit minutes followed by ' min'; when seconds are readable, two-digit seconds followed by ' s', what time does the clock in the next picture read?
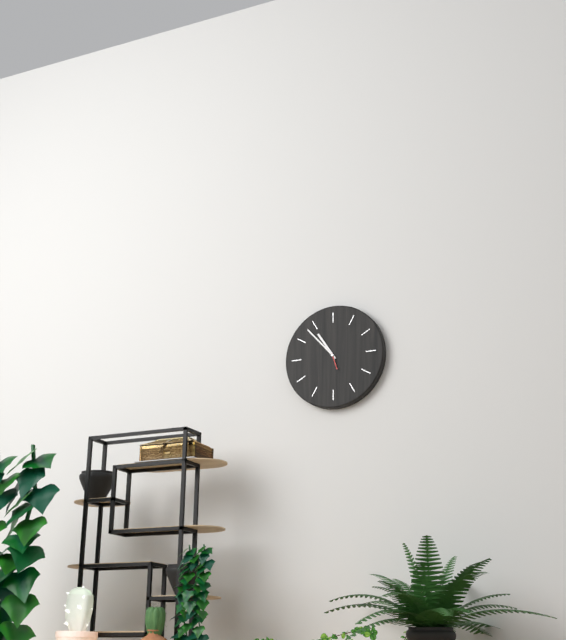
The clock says 10 h 53 min
